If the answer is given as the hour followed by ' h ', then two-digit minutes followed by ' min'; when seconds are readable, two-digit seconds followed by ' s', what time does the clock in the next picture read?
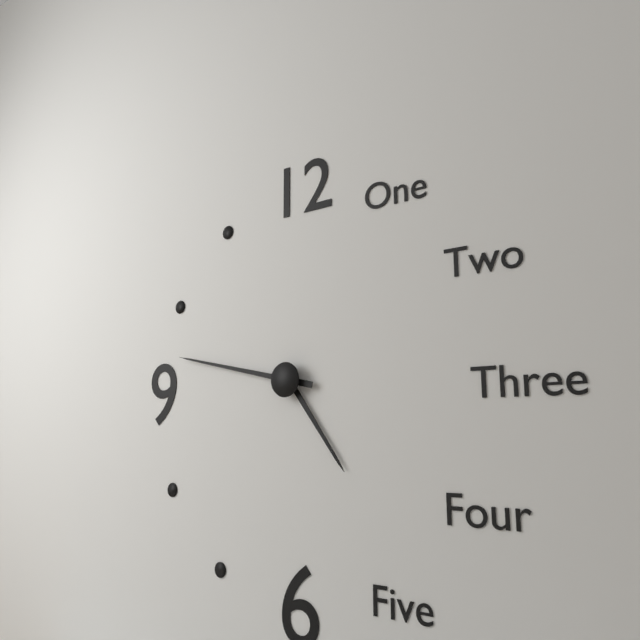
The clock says 4 h 47 min
